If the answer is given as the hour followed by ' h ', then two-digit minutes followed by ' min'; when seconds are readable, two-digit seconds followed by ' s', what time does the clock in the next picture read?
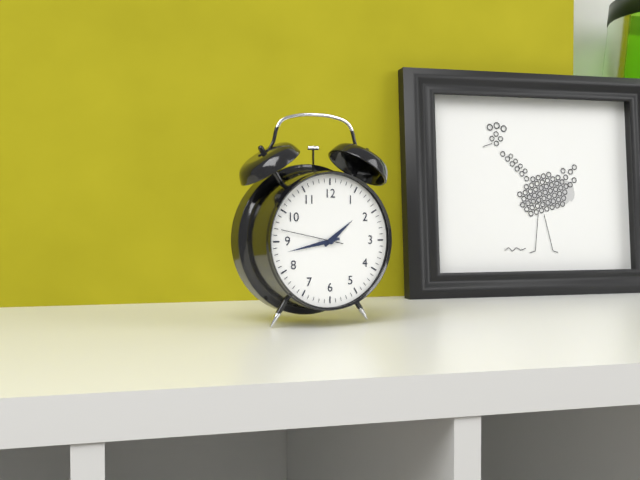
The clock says 1 h 43 min 47 s
